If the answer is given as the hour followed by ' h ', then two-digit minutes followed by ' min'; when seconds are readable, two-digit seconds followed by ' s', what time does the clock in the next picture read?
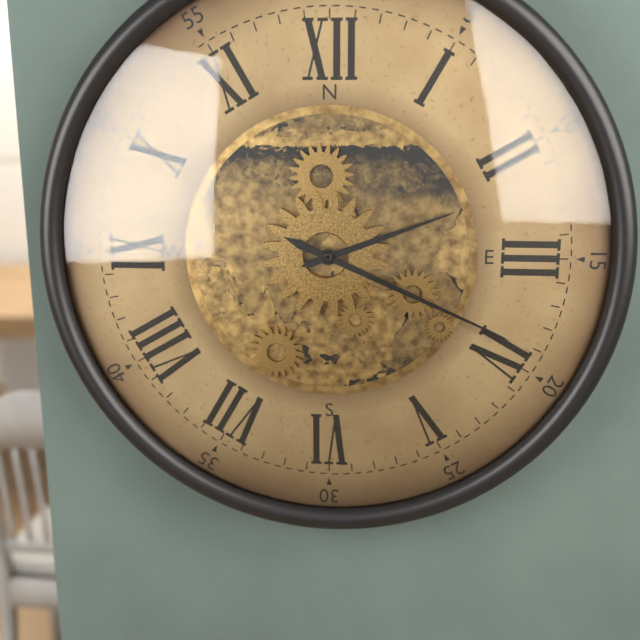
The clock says 2 h 19 min
